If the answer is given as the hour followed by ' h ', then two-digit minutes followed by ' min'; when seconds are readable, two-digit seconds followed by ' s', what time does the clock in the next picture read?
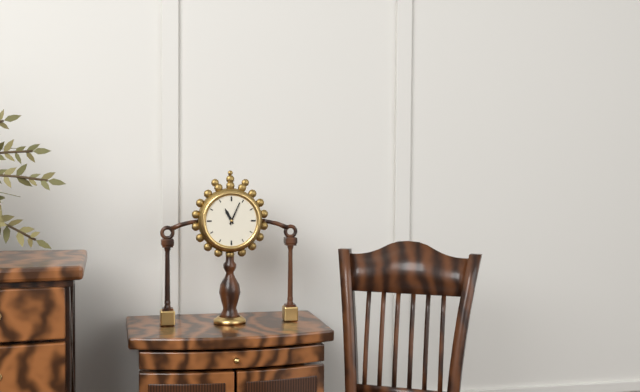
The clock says 11 h 04 min
